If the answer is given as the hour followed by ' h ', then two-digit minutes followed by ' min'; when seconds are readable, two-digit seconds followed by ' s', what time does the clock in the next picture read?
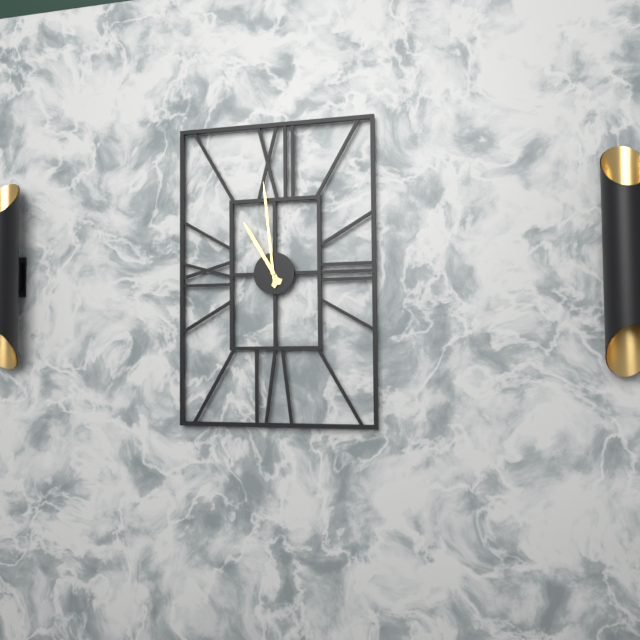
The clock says 10 h 59 min
